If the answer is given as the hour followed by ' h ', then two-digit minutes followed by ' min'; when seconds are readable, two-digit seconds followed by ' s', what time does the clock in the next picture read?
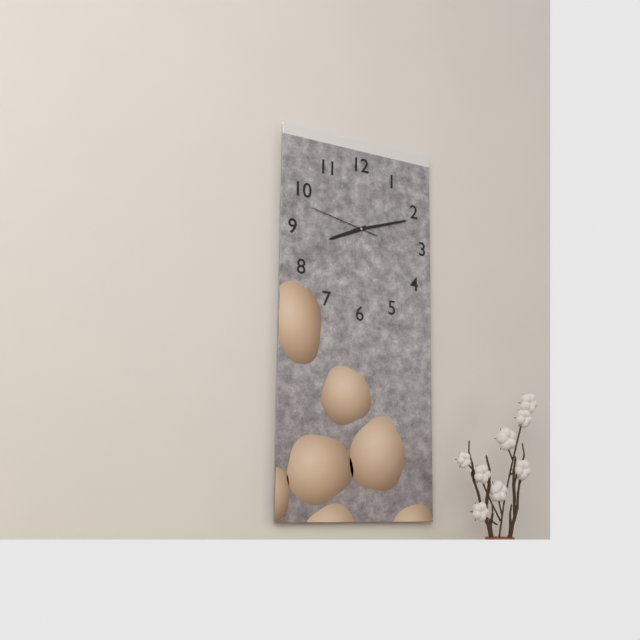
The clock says 8 h 12 min 47 s
